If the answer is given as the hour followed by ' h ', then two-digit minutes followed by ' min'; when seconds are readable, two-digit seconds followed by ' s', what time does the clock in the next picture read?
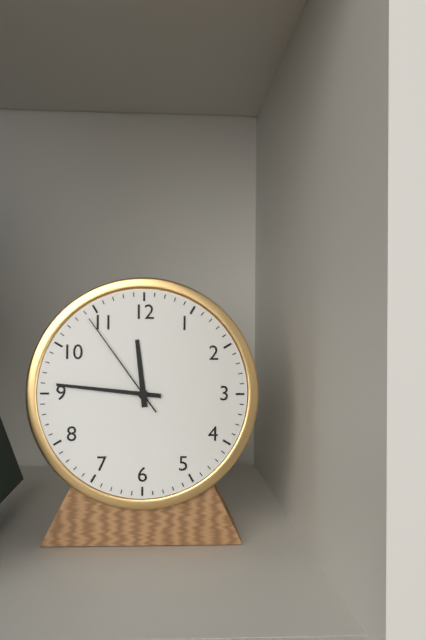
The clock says 11 h 46 min 54 s
